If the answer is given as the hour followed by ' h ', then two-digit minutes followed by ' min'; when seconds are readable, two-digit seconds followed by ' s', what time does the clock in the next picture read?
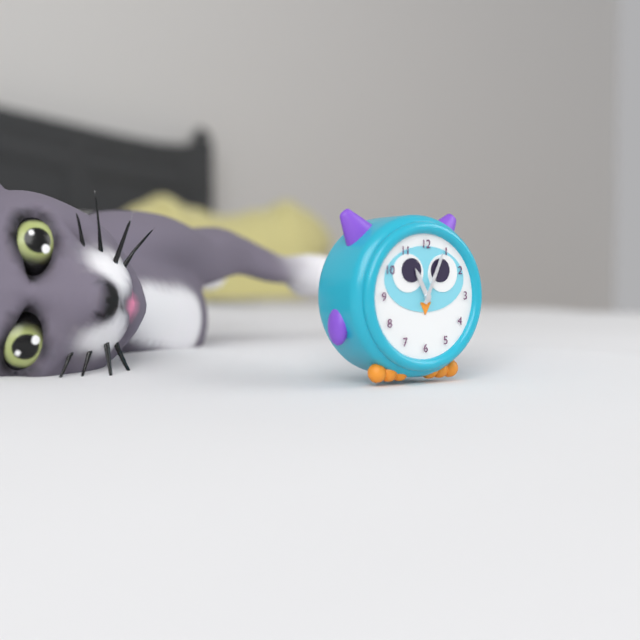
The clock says 11 h 04 min
